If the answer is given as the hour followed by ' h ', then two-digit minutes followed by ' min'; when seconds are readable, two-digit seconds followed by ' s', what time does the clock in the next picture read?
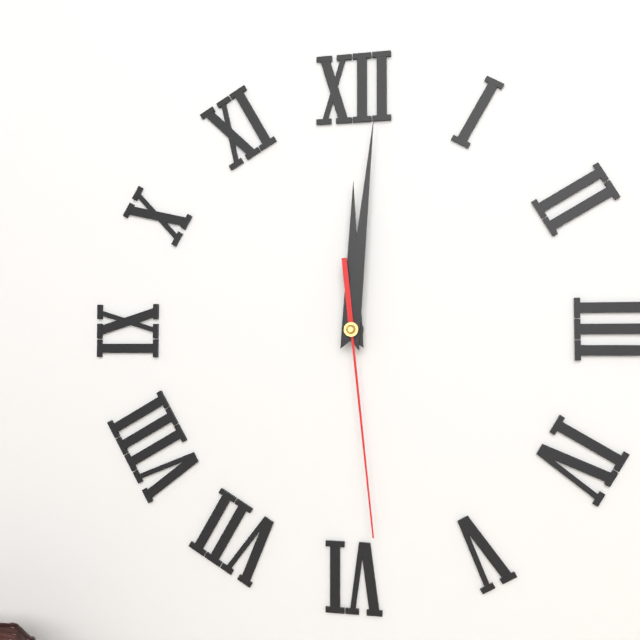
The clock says 12 h 01 min 29 s
